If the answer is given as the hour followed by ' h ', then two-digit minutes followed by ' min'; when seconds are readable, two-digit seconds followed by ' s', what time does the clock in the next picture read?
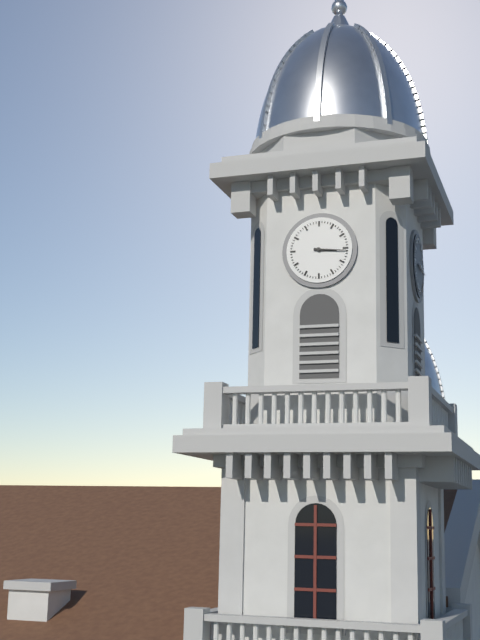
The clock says 3 h 16 min
